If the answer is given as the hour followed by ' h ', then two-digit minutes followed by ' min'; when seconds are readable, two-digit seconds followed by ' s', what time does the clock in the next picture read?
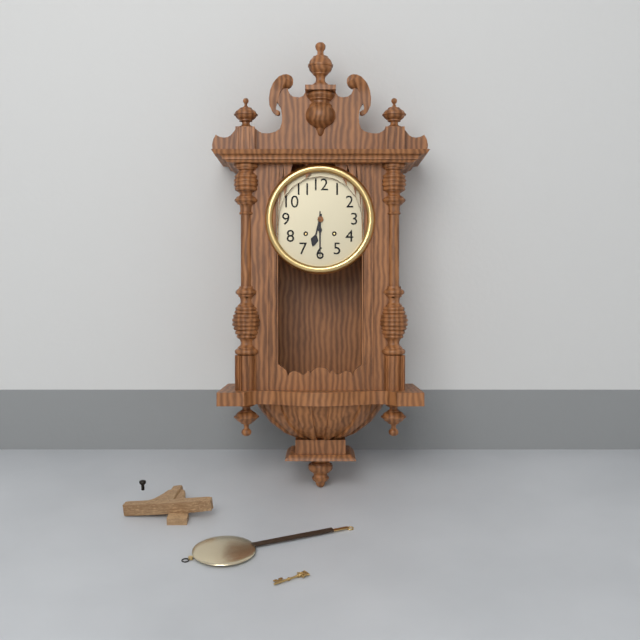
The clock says 6 h 30 min
